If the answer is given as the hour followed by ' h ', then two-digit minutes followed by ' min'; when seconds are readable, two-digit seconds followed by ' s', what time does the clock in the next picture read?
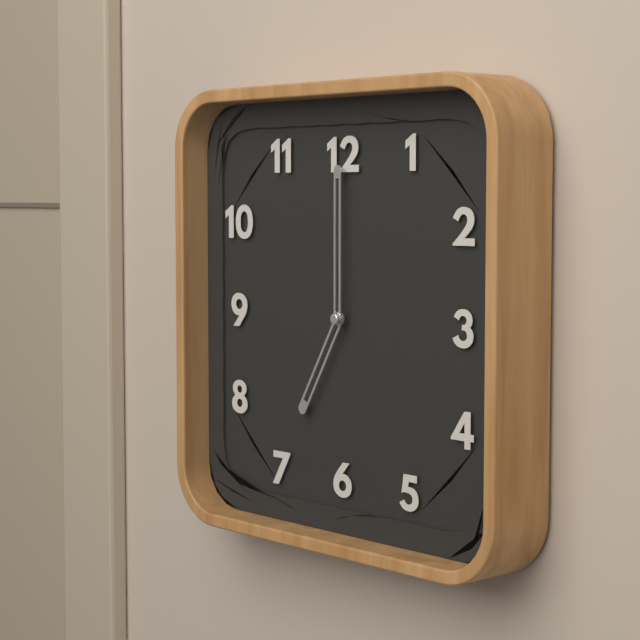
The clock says 7 h 00 min
